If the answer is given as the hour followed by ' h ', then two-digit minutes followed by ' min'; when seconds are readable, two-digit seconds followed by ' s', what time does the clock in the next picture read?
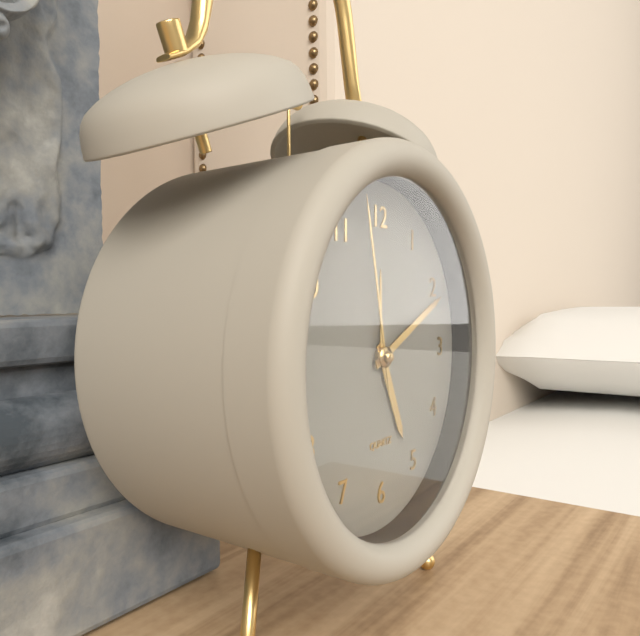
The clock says 5 h 11 min 58 s
